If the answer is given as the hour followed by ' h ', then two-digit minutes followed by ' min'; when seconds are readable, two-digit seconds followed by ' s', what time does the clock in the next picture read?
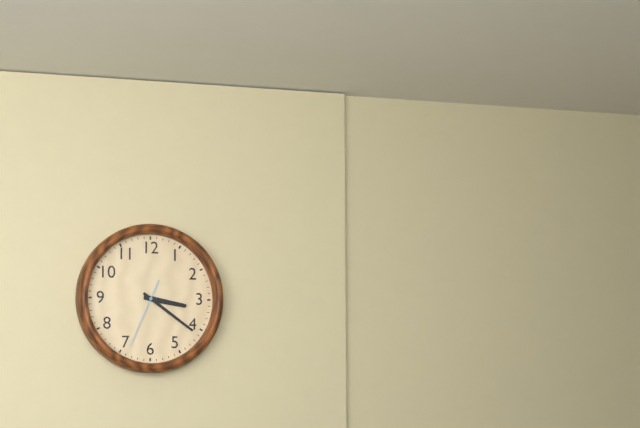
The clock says 3 h 21 min 34 s
